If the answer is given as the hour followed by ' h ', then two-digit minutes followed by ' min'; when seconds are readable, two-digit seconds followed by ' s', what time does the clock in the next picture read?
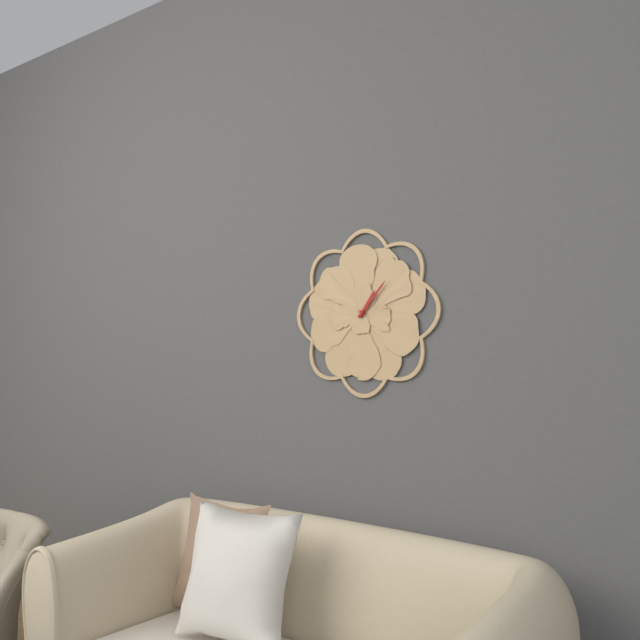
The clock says 1 h 07 min
